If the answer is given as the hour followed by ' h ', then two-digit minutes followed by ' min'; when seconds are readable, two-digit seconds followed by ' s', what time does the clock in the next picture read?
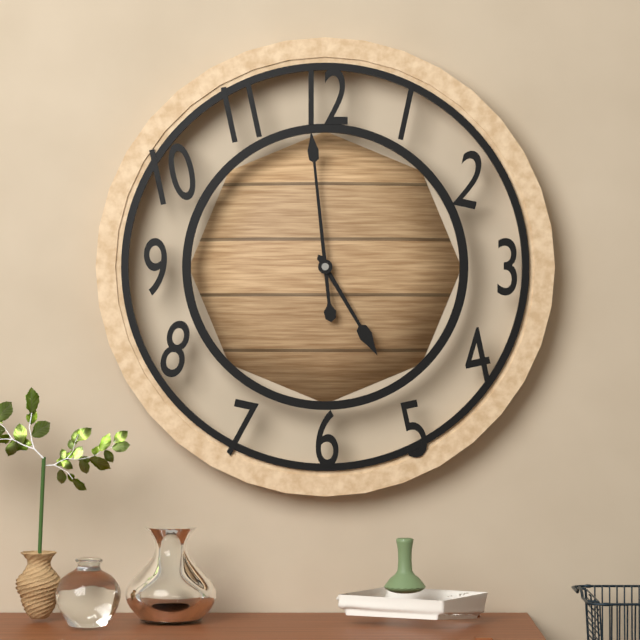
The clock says 4 h 59 min
